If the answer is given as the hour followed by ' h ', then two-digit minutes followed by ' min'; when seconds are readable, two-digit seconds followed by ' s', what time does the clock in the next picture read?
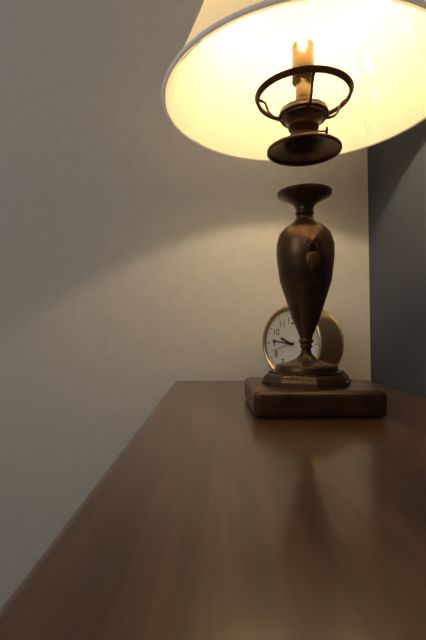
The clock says 9 h 46 min
